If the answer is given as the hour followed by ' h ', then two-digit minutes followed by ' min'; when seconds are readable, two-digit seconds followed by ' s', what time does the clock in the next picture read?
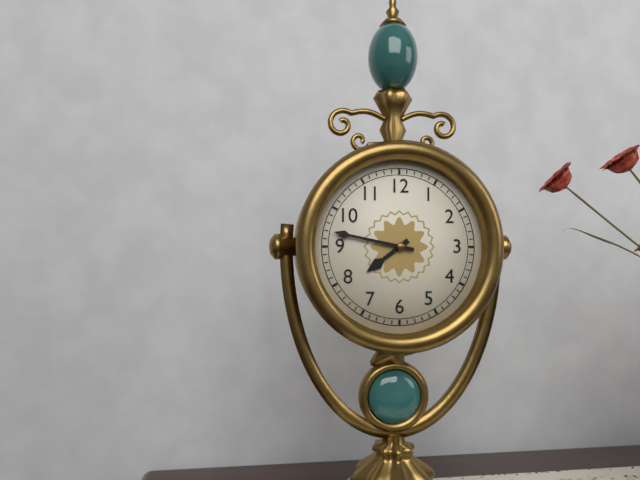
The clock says 7 h 47 min
